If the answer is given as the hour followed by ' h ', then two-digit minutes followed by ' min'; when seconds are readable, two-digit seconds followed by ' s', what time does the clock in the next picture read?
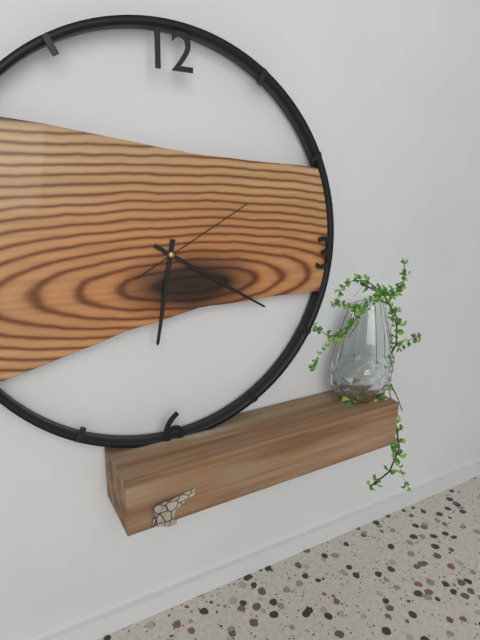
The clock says 6 h 20 min 10 s
